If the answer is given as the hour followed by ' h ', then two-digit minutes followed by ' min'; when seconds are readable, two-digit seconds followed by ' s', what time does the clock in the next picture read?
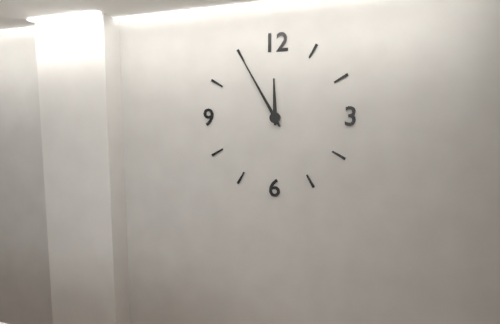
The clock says 11 h 55 min
